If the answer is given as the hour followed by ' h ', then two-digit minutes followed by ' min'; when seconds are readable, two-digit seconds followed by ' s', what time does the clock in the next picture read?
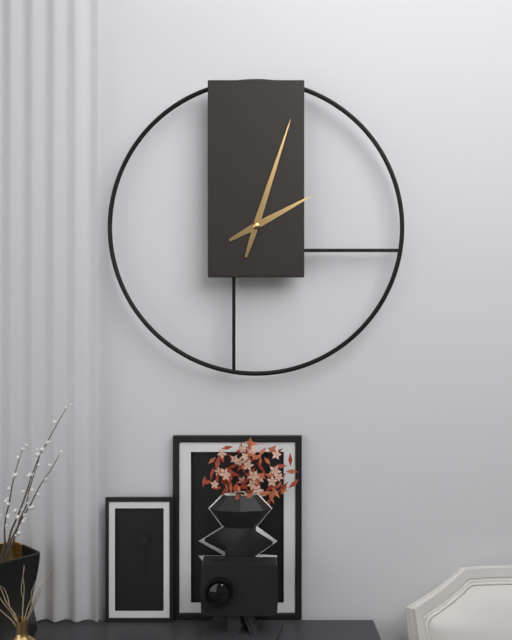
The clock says 2 h 03 min
